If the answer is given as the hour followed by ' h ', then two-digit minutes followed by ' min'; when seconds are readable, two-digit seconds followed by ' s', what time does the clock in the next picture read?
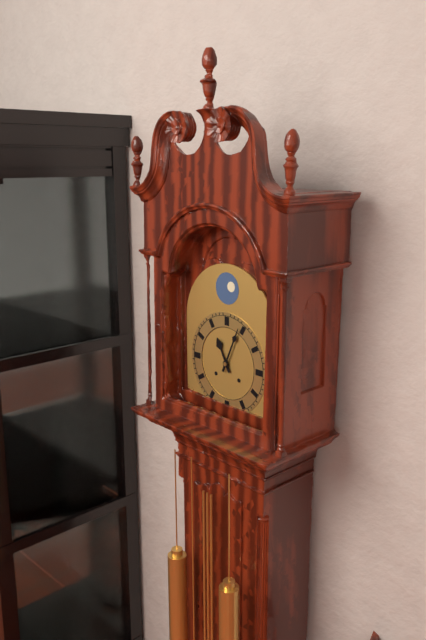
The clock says 11 h 04 min
